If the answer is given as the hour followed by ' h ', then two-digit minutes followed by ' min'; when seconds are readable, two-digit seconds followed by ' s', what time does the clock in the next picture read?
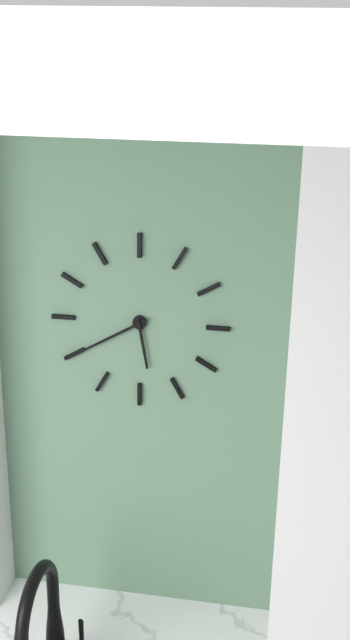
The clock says 5 h 40 min
